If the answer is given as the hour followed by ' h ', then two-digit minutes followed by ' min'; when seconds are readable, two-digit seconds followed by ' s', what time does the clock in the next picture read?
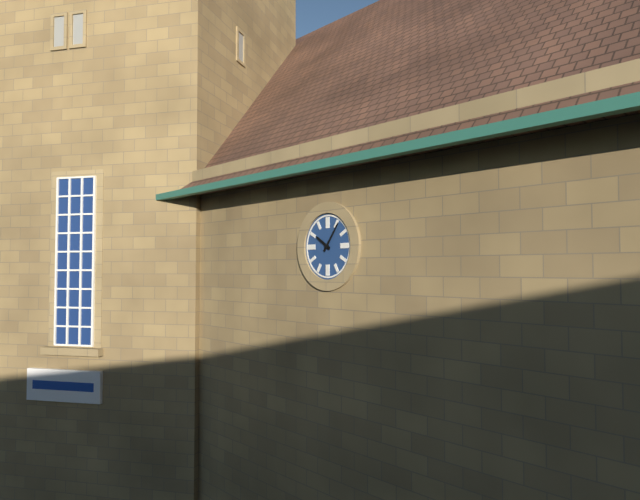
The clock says 10 h 06 min
